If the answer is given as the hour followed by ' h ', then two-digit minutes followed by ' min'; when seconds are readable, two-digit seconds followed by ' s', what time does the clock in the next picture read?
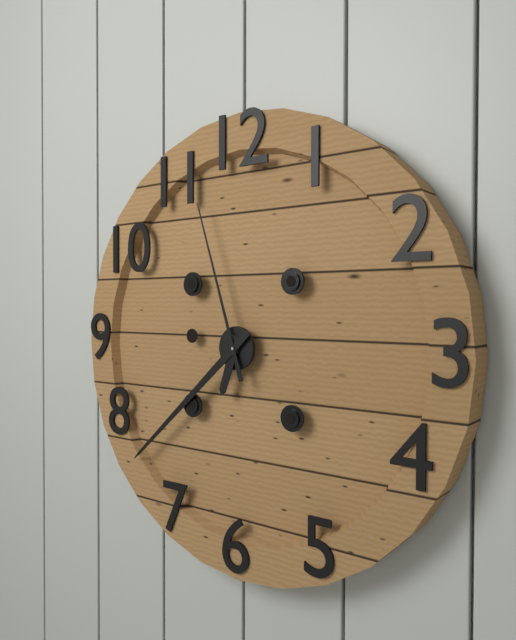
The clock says 6 h 38 min 57 s
